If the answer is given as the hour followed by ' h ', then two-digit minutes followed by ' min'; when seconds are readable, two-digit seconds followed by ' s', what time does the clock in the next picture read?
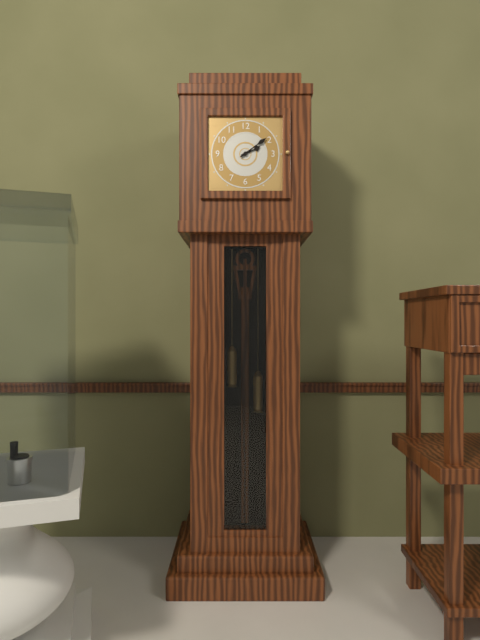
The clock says 2 h 09 min
